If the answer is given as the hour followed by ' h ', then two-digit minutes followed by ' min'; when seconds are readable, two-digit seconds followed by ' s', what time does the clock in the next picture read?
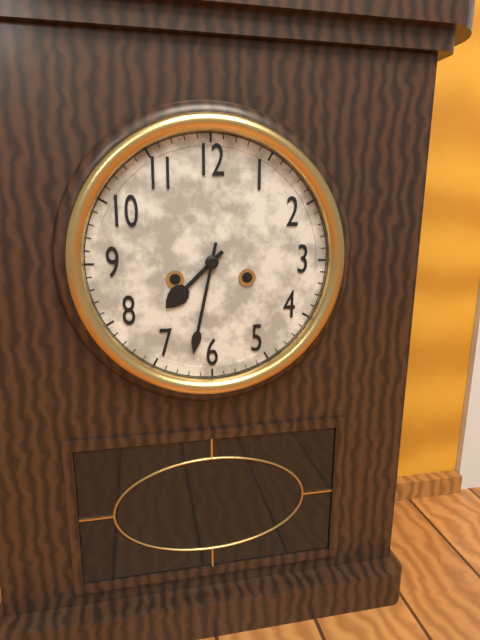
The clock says 7 h 32 min
